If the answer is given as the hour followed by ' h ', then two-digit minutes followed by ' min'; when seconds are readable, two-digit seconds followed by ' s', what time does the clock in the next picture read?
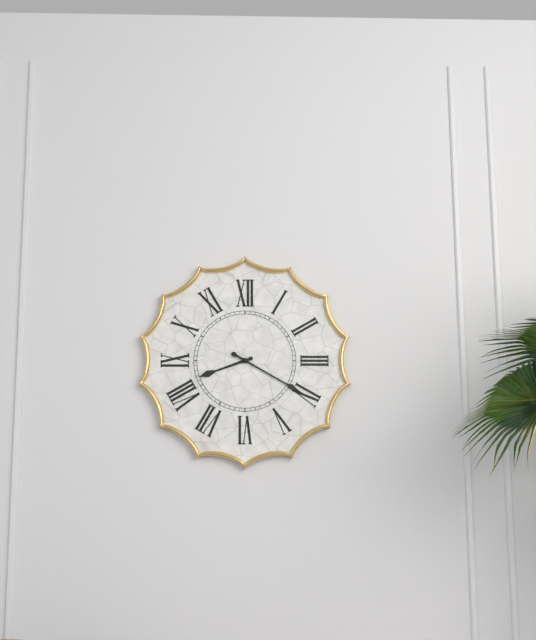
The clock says 8 h 20 min
